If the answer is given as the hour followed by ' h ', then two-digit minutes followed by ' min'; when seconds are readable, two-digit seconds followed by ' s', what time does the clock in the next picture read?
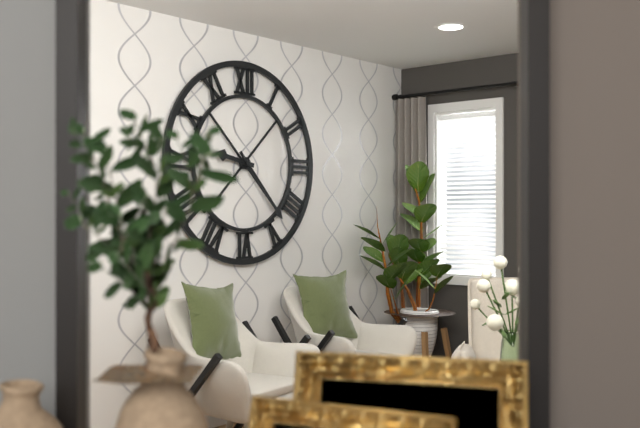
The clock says 9 h 23 min
